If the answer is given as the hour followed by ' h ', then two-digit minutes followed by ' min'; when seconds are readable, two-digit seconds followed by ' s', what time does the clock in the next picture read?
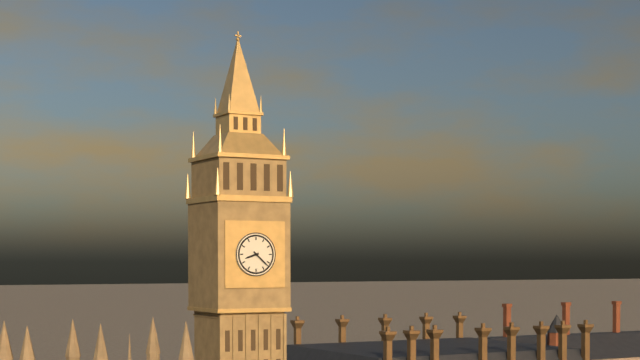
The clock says 8 h 22 min
